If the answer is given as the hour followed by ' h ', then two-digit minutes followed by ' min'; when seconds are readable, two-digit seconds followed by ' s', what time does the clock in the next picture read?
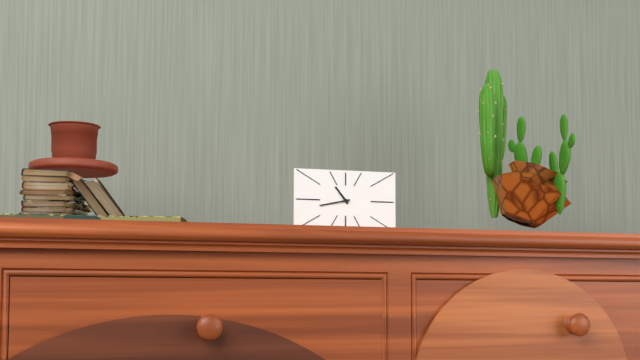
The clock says 10 h 43 min
